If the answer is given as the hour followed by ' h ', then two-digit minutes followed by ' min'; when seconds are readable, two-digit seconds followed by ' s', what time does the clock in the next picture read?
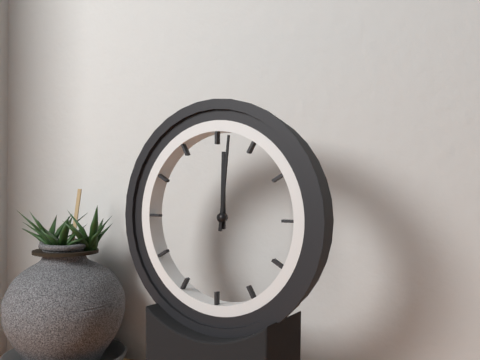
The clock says 12 h 01 min
